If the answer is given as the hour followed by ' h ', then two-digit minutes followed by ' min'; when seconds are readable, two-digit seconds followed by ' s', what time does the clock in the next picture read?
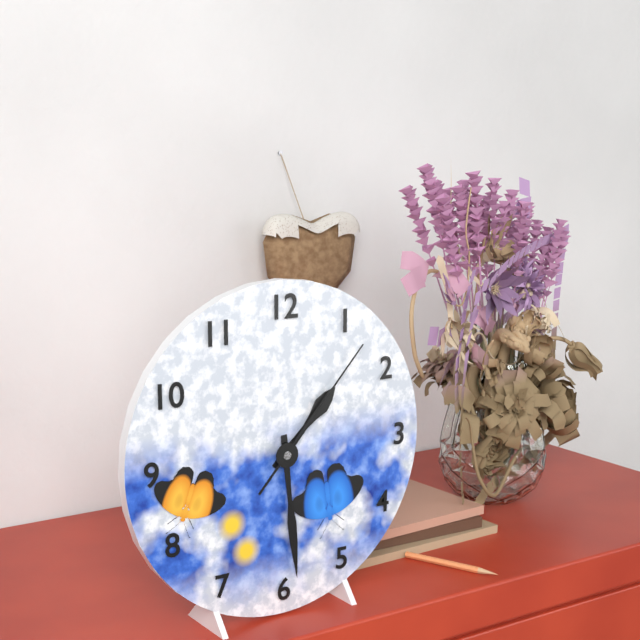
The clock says 1 h 29 min 07 s
